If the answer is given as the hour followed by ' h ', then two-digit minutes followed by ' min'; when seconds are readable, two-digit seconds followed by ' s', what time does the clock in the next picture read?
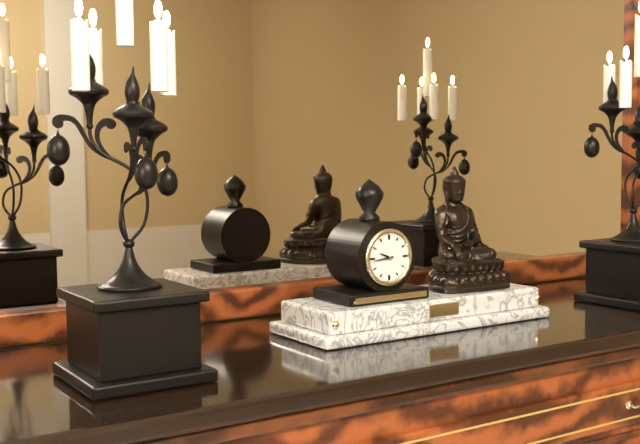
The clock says 9 h 44 min
